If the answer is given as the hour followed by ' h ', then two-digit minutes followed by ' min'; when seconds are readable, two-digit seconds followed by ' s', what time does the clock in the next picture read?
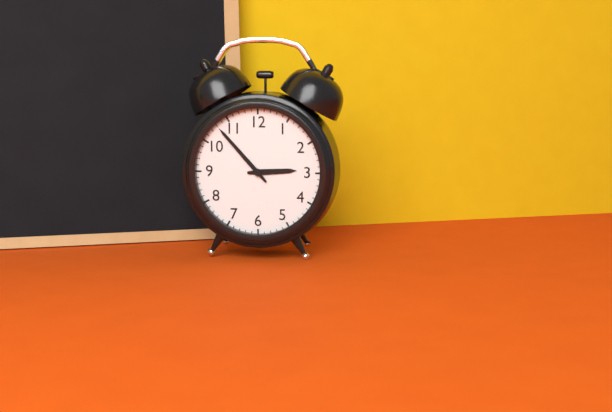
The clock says 2 h 53 min
